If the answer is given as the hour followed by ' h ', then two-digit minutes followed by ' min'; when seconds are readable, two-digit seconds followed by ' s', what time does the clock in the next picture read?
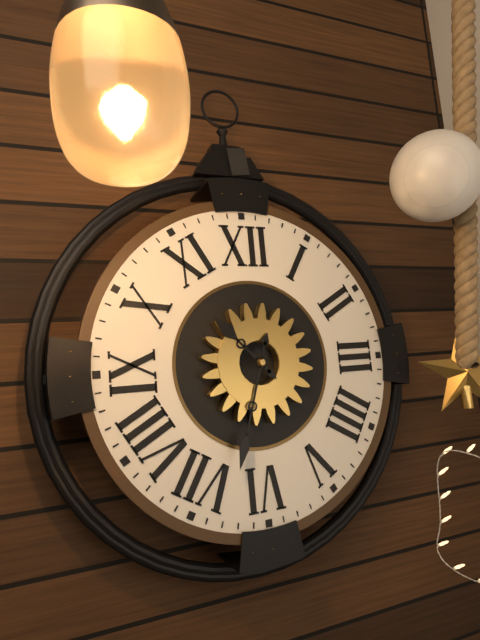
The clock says 10 h 33 min
